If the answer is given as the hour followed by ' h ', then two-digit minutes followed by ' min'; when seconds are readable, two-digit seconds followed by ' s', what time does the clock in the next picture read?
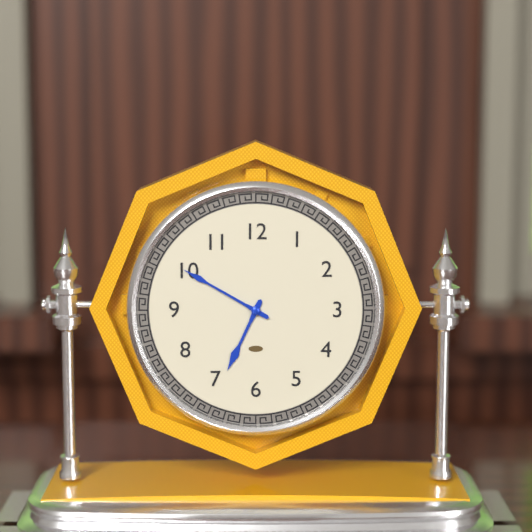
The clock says 6 h 50 min
